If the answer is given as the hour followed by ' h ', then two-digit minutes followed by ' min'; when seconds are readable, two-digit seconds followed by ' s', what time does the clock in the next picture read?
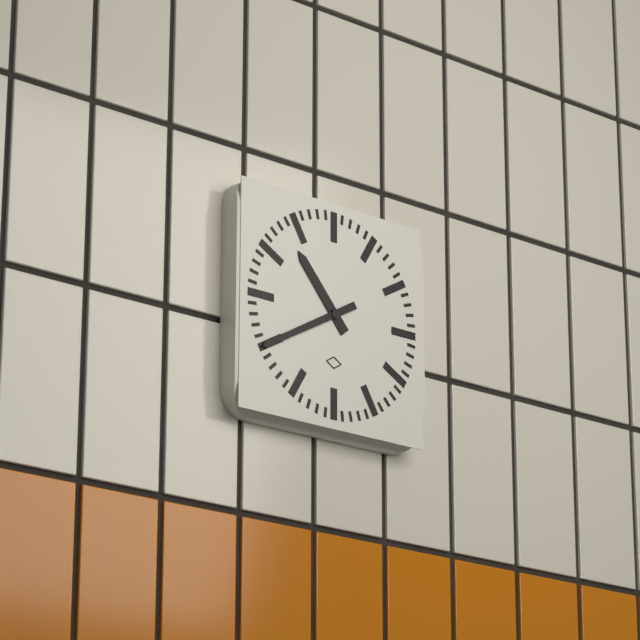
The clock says 10 h 40 min
